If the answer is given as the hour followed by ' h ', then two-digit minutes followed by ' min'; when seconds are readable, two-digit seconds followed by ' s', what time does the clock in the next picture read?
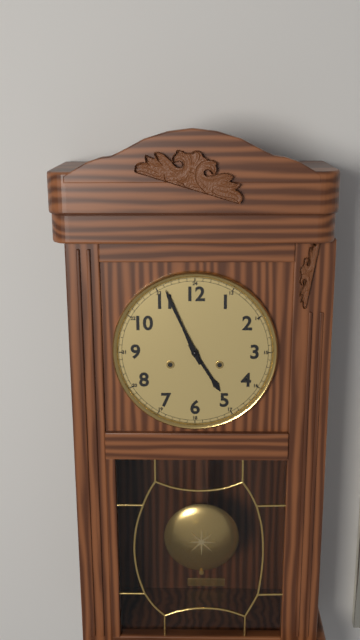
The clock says 4 h 56 min
